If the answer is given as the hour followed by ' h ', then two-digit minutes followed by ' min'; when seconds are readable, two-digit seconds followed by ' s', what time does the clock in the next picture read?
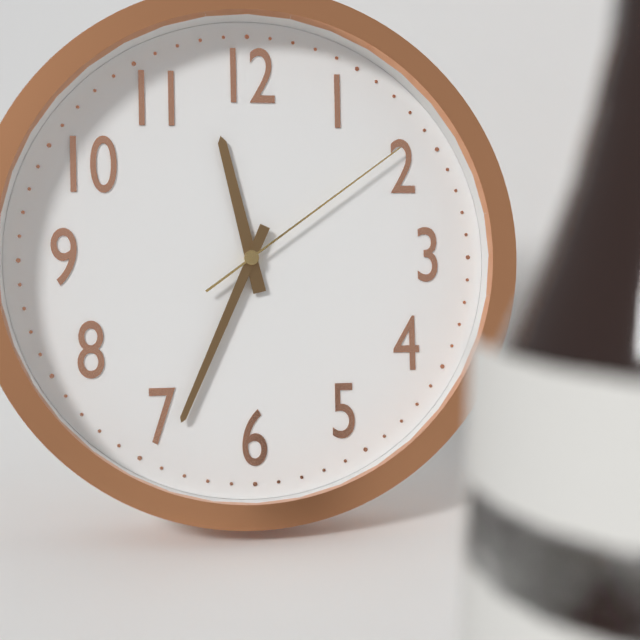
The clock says 11 h 34 min 09 s
